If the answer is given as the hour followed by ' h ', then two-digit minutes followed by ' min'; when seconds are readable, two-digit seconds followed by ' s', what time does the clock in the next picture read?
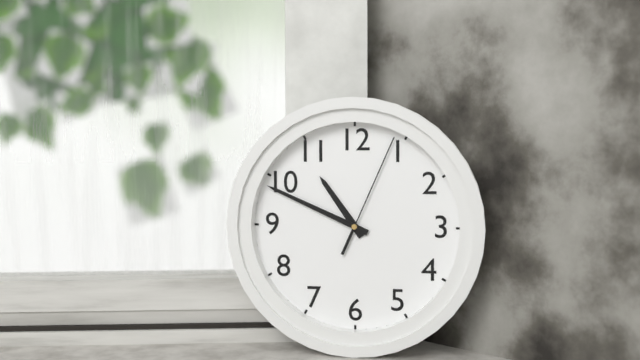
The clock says 10 h 49 min 04 s
